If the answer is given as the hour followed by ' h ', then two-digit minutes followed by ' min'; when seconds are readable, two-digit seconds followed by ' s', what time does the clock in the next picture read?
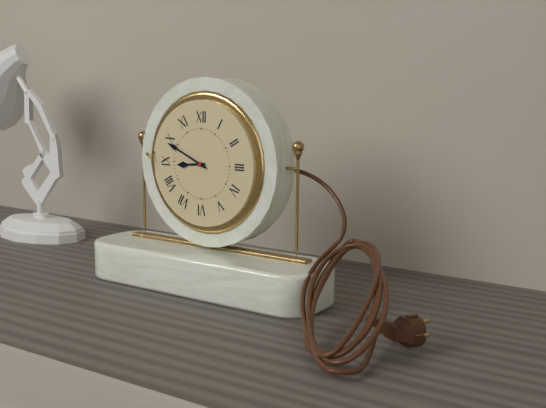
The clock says 8 h 49 min
